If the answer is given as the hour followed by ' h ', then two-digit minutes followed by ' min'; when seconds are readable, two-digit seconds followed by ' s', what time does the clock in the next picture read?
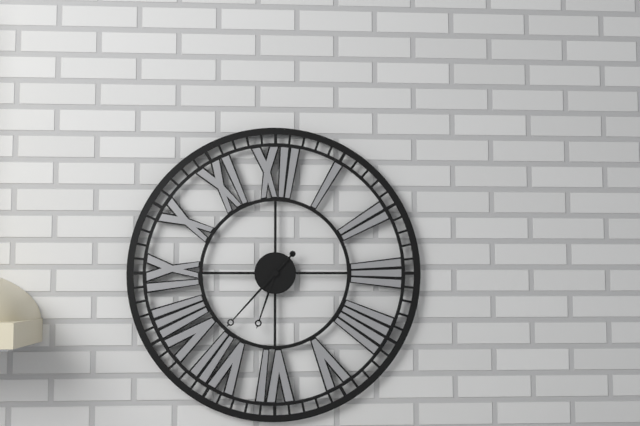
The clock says 6 h 37 min
